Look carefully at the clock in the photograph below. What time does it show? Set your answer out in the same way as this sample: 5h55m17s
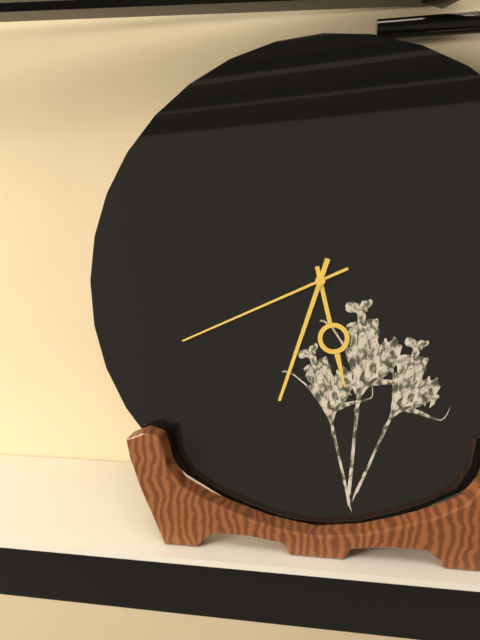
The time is 5h33m41s
